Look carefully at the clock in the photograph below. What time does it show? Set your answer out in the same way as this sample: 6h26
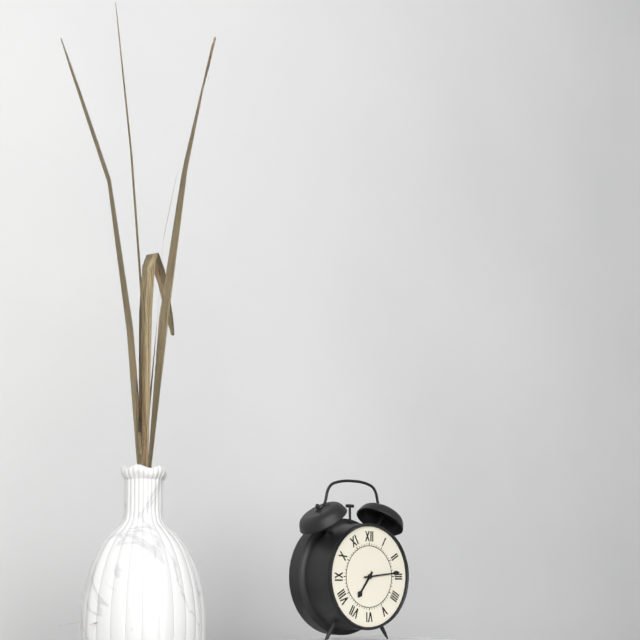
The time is 7h14
